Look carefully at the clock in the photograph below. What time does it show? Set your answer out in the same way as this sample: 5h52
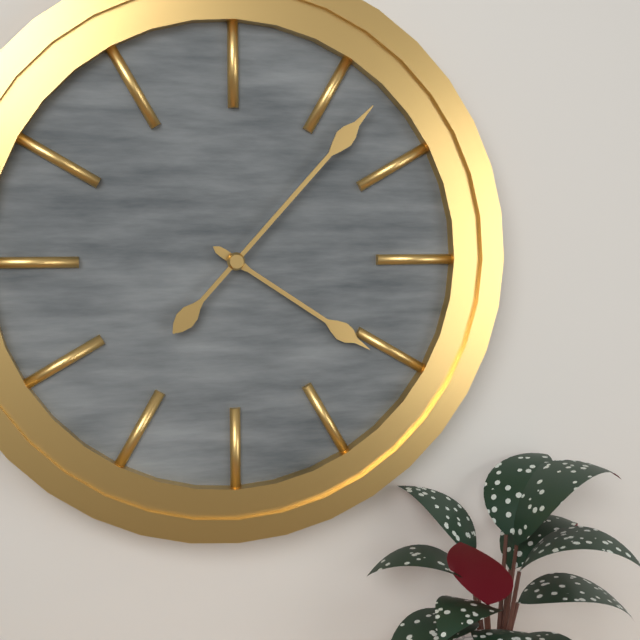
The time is 4h07
